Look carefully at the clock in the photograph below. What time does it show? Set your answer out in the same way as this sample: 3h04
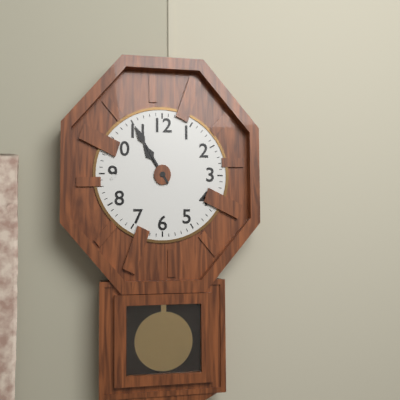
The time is 10h55
